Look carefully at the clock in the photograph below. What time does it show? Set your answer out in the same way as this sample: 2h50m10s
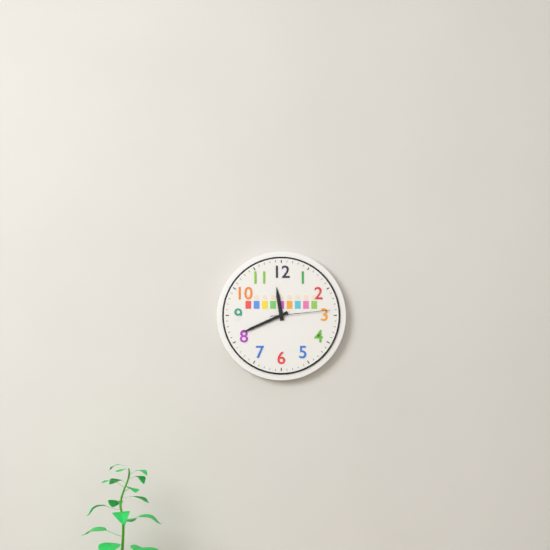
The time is 11h41m14s
